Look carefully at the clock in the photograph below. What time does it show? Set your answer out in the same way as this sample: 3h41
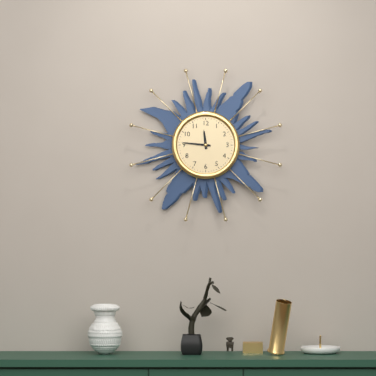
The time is 11h46
